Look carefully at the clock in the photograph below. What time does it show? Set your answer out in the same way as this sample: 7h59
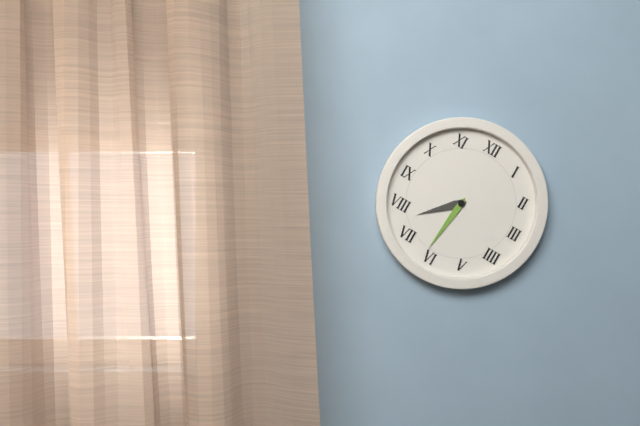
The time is 7h31
